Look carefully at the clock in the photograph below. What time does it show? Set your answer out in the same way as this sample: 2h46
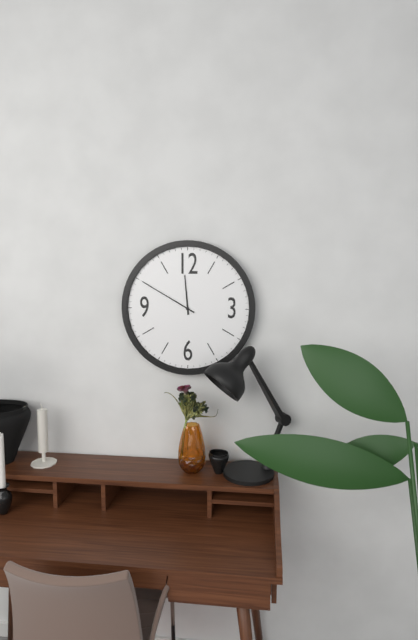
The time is 11h50
